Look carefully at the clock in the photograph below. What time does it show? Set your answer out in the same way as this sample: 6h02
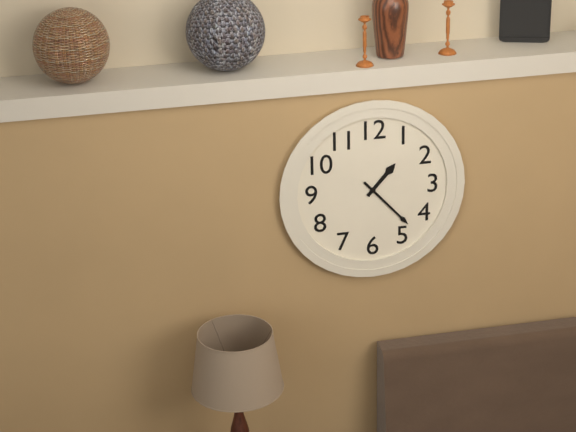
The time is 1h23
